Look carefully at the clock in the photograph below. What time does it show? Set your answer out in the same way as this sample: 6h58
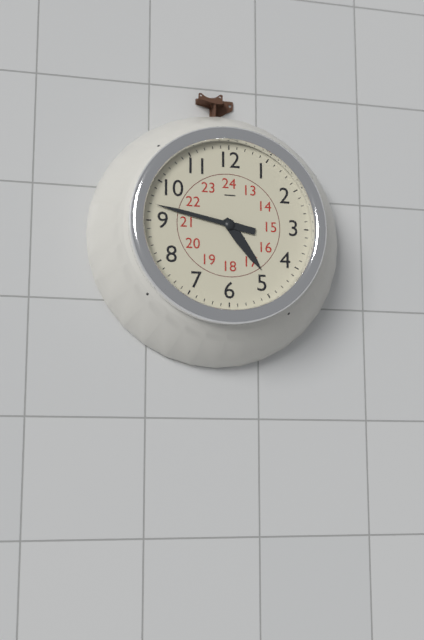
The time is 4h47
